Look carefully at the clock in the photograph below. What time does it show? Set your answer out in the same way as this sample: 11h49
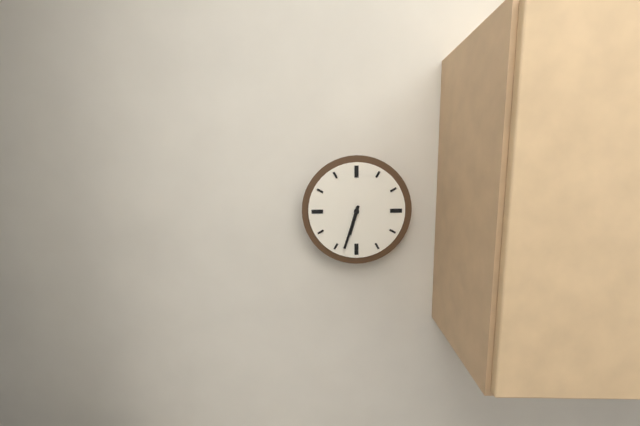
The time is 6h33
